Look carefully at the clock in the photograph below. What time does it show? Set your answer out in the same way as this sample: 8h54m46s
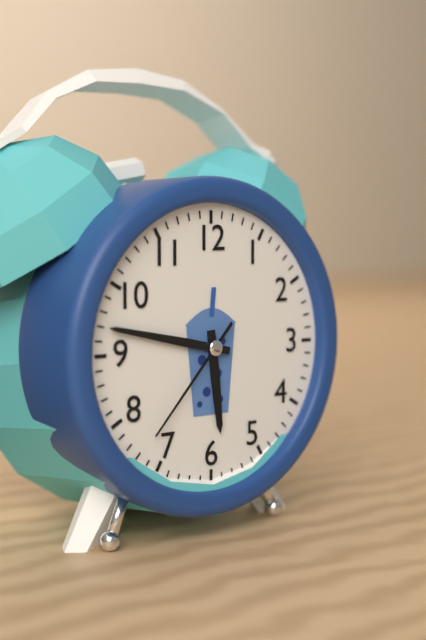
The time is 5h47m37s
